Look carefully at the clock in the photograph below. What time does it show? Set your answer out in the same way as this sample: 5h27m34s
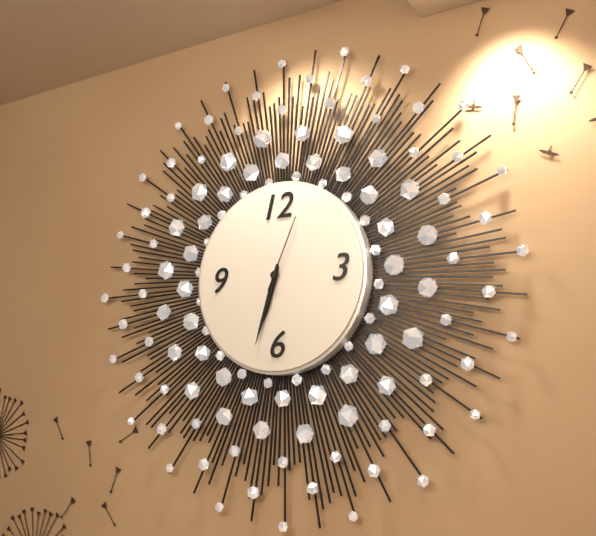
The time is 6h33m04s
